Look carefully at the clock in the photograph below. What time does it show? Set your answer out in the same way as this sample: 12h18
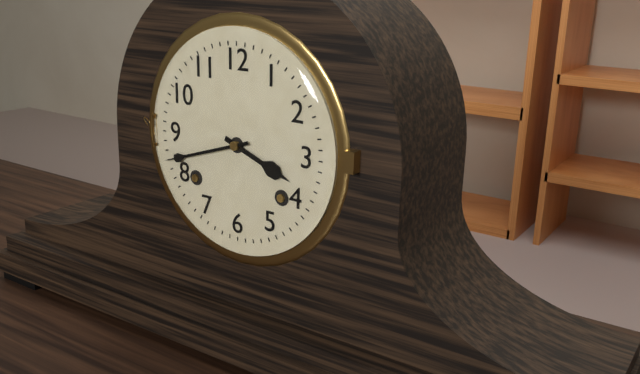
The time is 3h42
